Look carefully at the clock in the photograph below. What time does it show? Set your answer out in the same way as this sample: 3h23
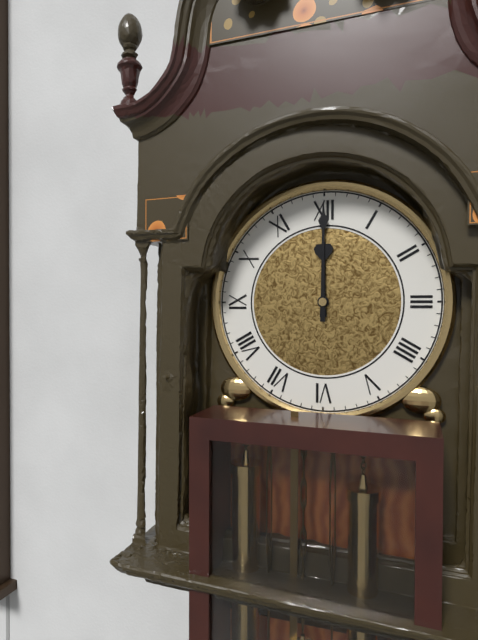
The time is 12h00
